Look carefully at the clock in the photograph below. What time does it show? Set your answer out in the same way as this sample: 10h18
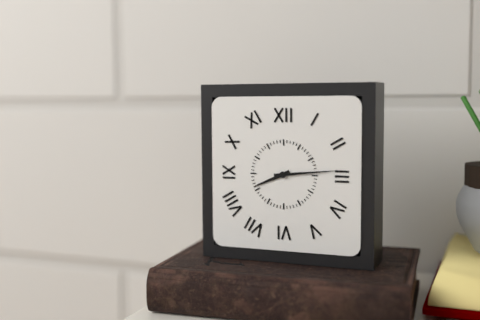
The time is 8h14
